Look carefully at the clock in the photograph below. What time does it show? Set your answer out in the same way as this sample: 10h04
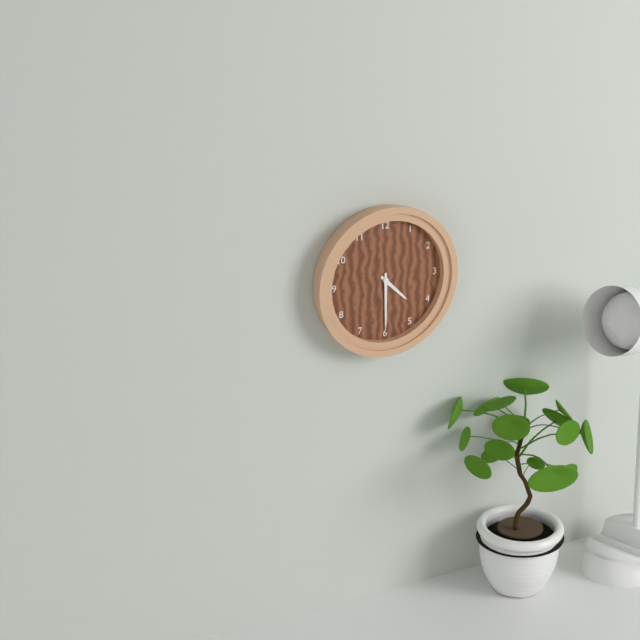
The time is 4h30
